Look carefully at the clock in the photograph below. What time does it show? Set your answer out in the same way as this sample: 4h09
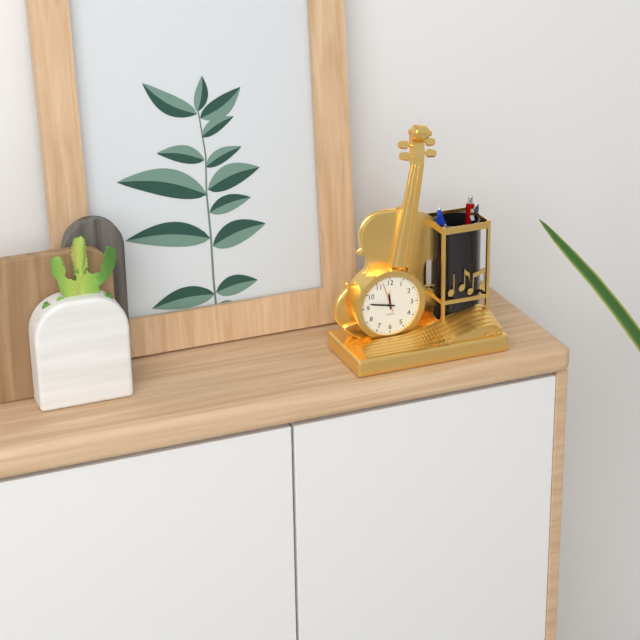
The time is 11h47
